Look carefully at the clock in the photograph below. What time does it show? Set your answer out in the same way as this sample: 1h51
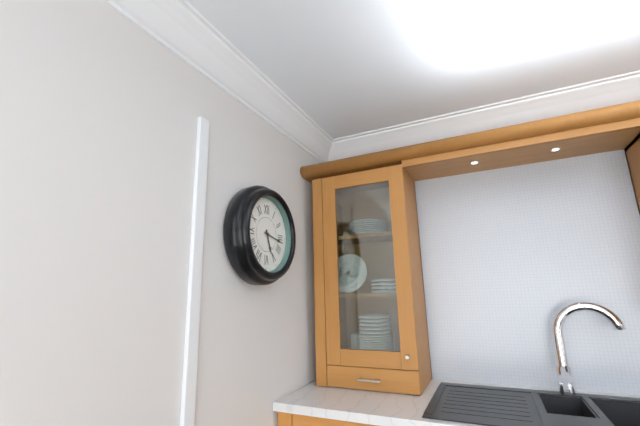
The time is 5h17
